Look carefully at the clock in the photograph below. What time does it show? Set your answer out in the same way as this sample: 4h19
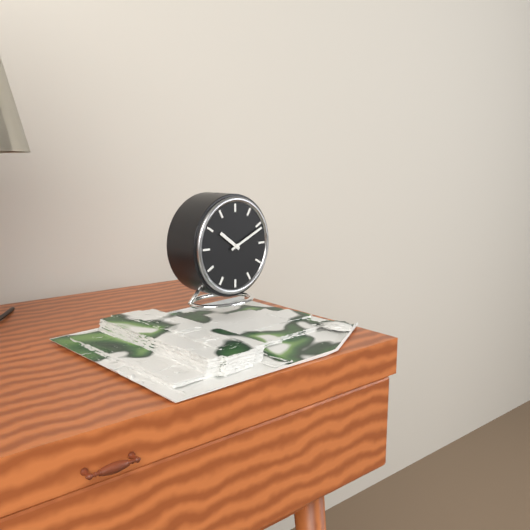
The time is 10h11
